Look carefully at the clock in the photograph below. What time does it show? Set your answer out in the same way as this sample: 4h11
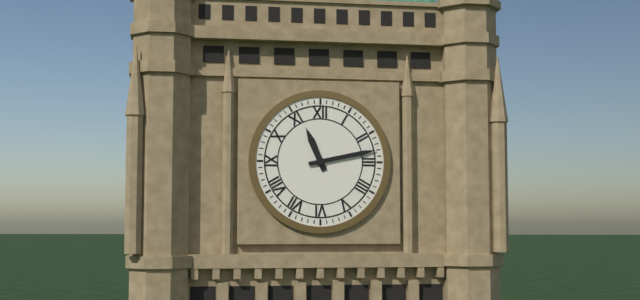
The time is 11h13
